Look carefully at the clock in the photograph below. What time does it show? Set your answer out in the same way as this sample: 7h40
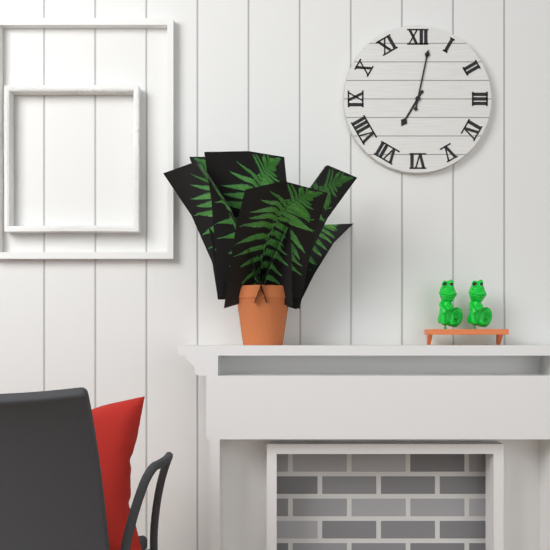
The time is 7h02
